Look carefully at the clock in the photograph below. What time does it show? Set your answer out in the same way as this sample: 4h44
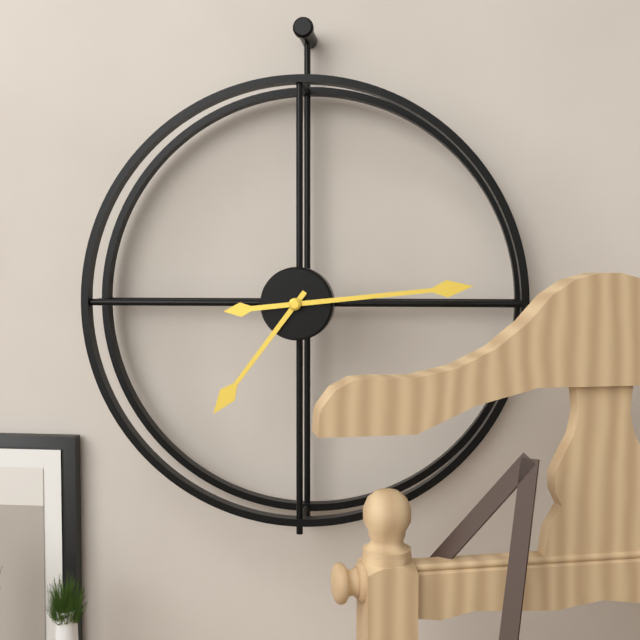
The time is 7h14
